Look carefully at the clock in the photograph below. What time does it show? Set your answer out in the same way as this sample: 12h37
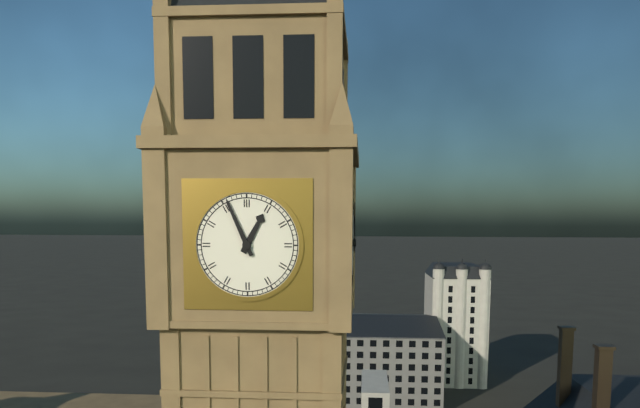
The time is 12h56
